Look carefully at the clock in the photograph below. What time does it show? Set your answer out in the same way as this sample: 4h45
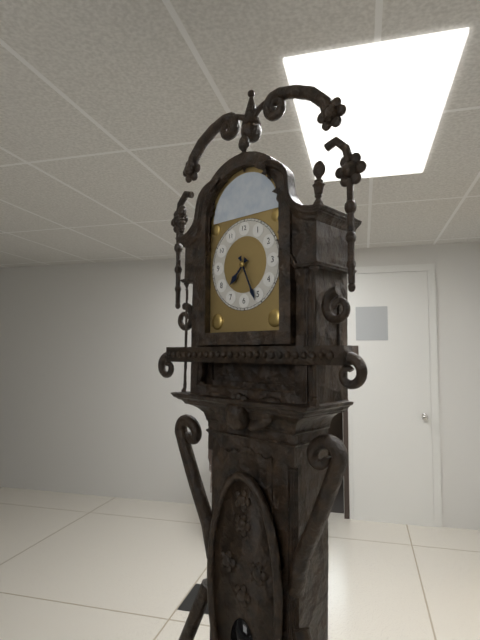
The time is 7h26
